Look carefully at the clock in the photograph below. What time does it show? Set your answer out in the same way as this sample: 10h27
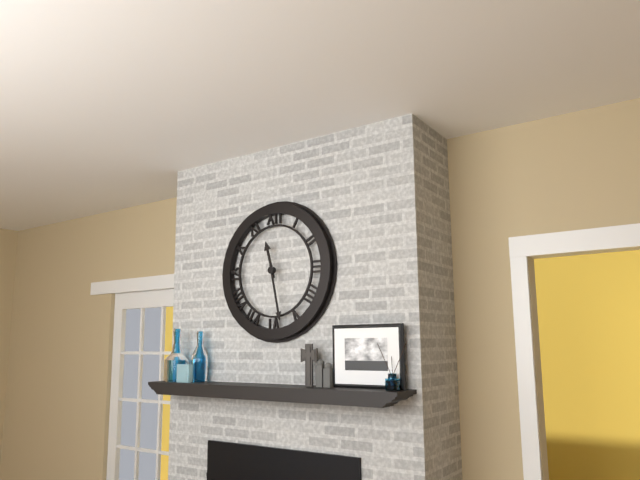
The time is 11h28
